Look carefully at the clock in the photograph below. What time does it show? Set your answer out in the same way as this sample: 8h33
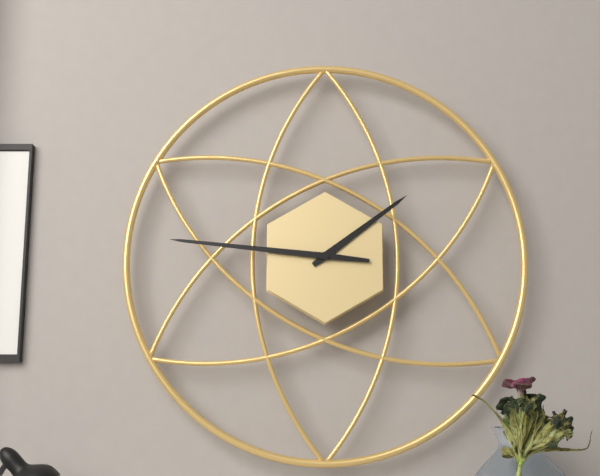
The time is 1h46
